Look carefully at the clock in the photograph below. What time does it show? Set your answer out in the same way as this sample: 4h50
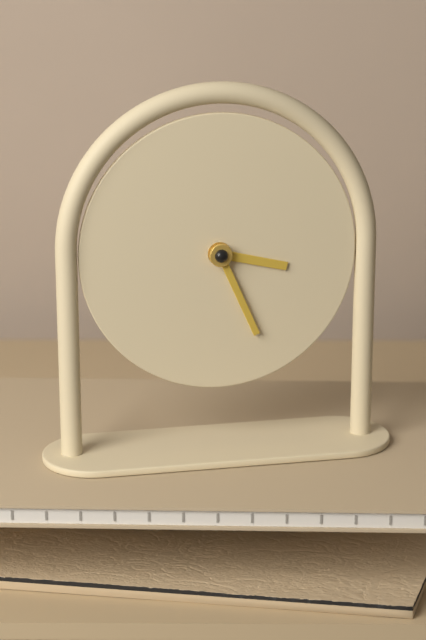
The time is 3h26
